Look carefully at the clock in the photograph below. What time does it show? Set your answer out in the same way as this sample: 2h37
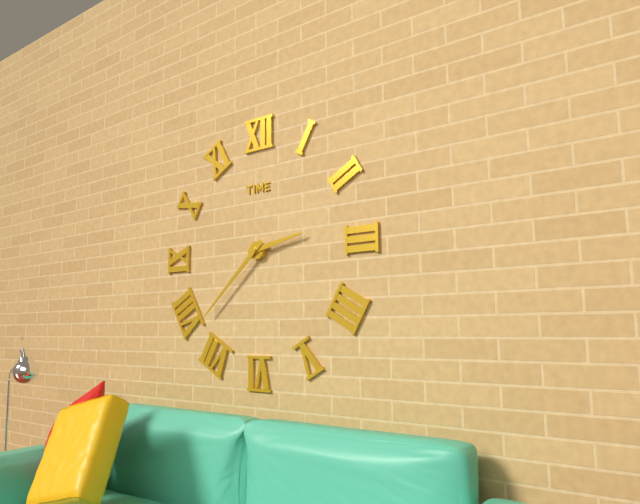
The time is 2h38
